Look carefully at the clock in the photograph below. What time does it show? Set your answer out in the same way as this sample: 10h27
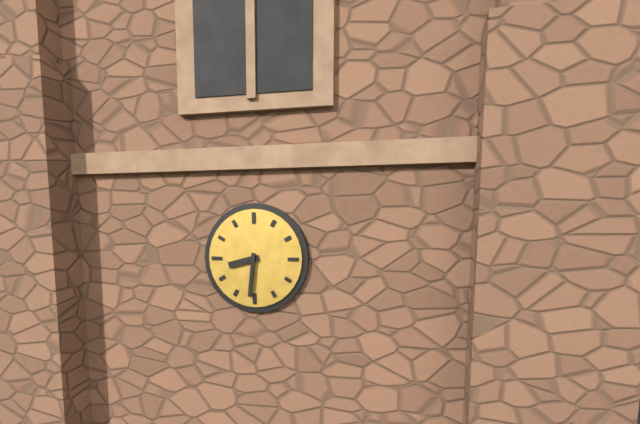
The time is 8h31
